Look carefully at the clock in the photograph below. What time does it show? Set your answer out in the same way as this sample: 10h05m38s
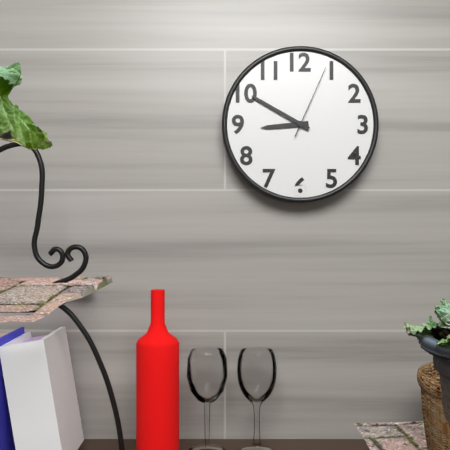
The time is 8h50m04s
